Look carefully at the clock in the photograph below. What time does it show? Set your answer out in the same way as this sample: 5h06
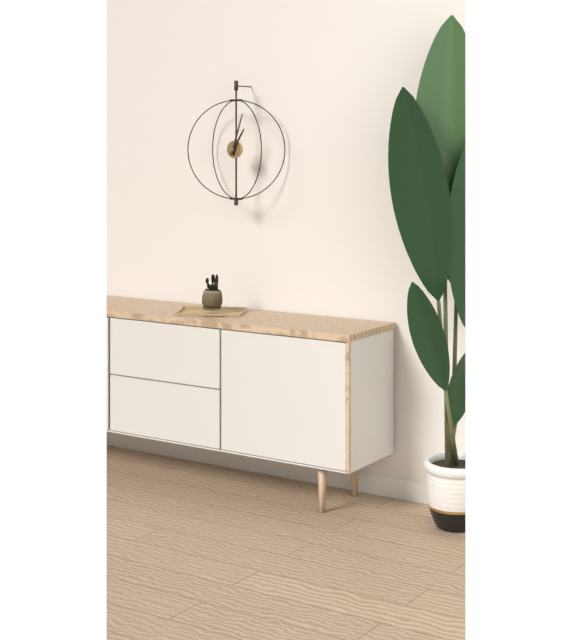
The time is 1h03
